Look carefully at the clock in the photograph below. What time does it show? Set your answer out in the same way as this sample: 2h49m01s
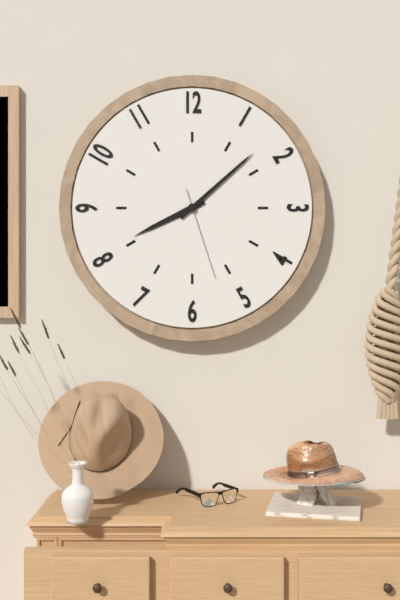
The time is 8h08m27s
